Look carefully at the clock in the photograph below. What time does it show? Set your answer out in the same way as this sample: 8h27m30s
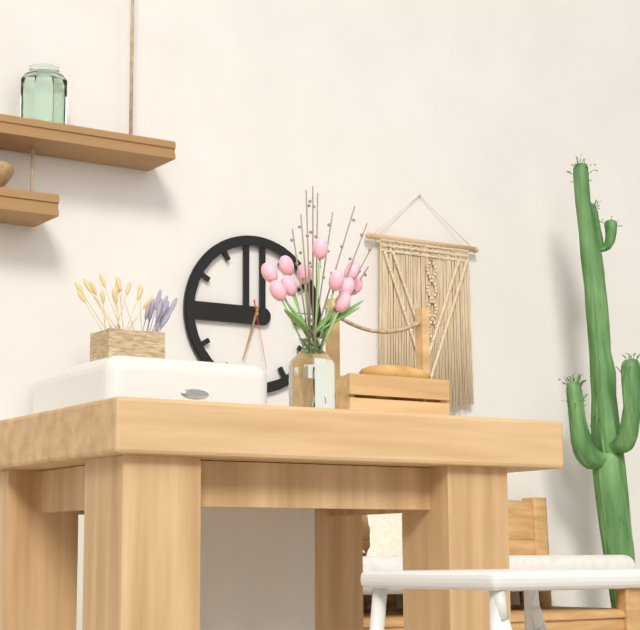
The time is 6h33m28s
